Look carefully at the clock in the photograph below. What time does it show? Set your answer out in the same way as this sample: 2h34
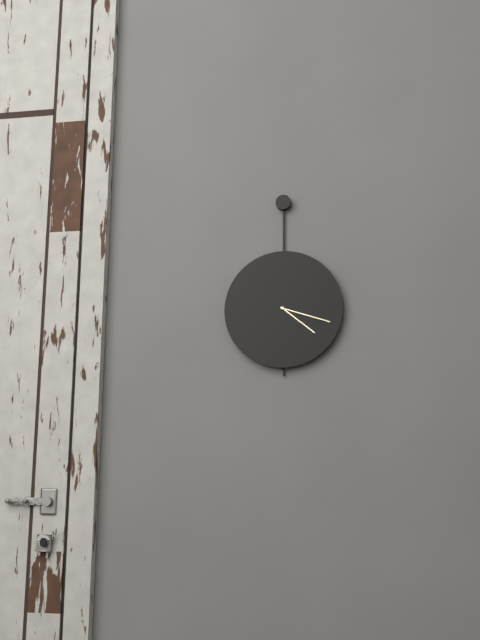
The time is 4h18
